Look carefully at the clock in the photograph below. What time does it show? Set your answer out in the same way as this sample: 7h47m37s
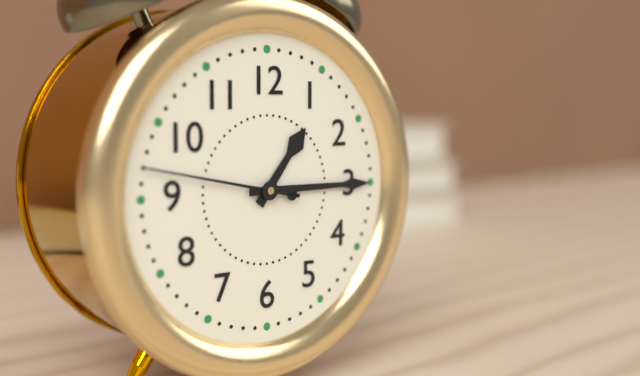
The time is 1h15m47s
